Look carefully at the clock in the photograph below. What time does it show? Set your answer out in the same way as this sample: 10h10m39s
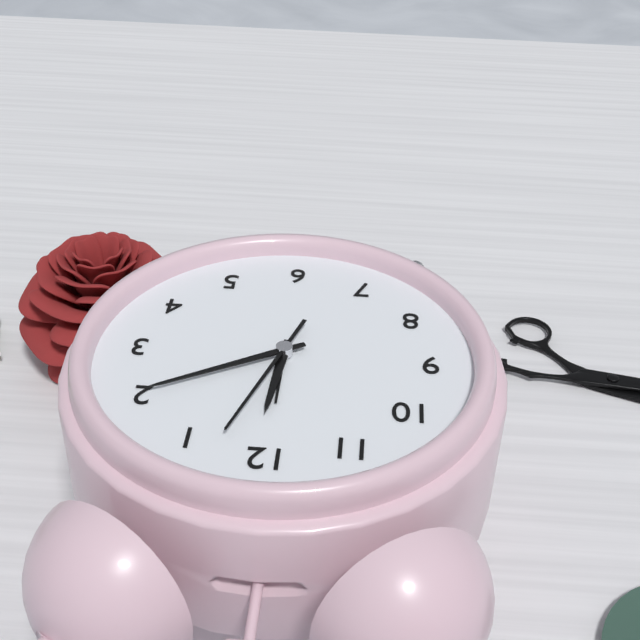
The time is 12h10m03s
